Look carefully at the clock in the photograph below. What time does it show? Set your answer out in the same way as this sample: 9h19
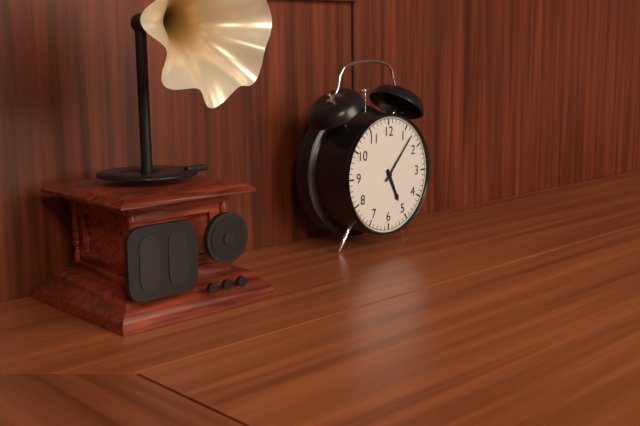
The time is 5h07
